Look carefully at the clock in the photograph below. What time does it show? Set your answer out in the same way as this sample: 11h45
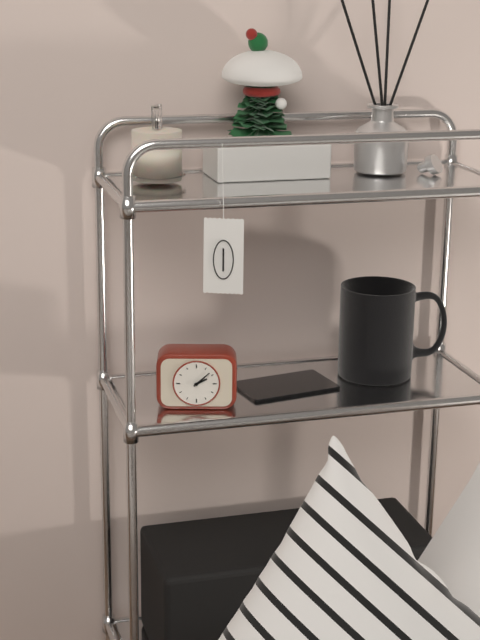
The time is 2h08
